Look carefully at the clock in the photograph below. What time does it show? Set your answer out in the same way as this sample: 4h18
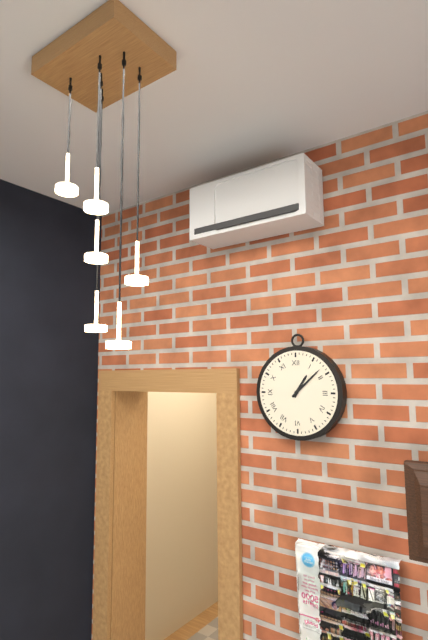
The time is 1h08
